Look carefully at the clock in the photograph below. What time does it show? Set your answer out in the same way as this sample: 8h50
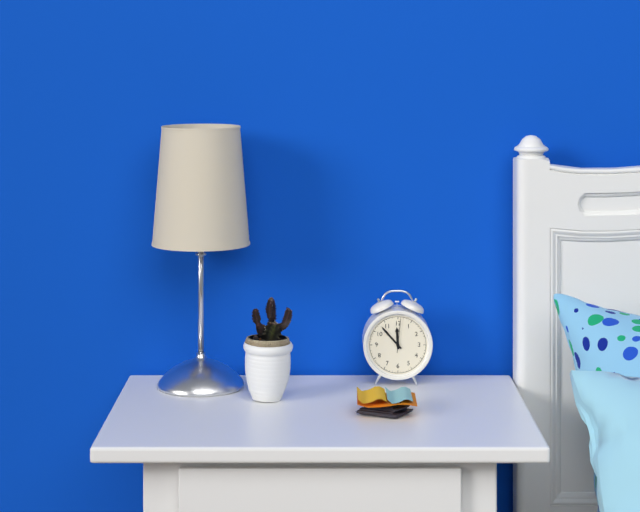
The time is 11h53
